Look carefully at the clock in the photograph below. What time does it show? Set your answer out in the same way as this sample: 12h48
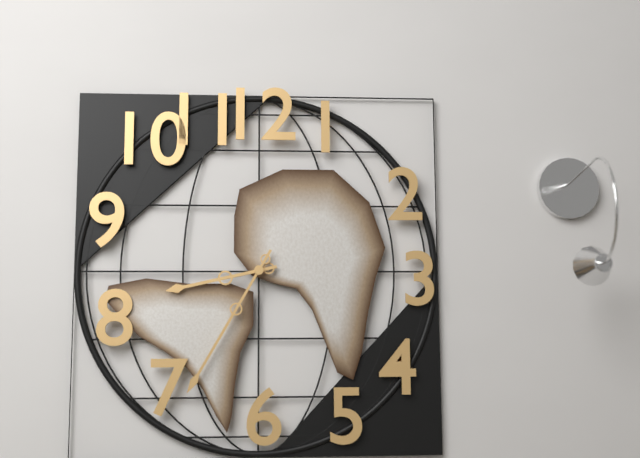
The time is 8h35
